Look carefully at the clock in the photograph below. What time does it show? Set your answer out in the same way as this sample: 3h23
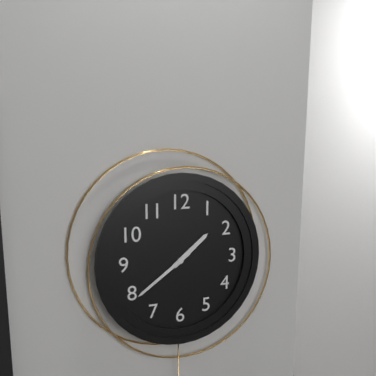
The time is 1h39
